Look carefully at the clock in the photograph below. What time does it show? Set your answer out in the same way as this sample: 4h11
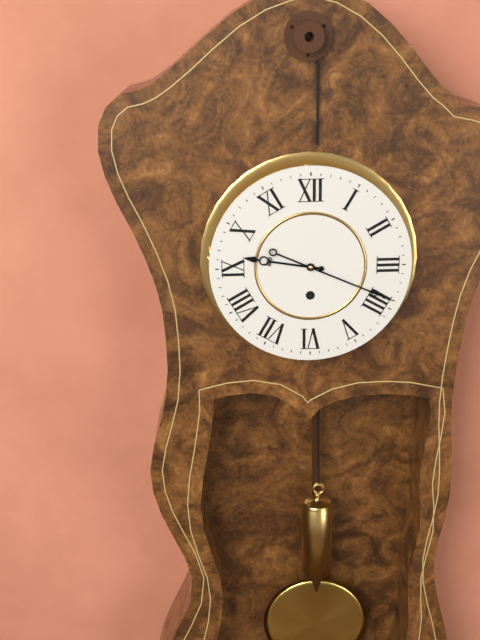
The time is 9h19
